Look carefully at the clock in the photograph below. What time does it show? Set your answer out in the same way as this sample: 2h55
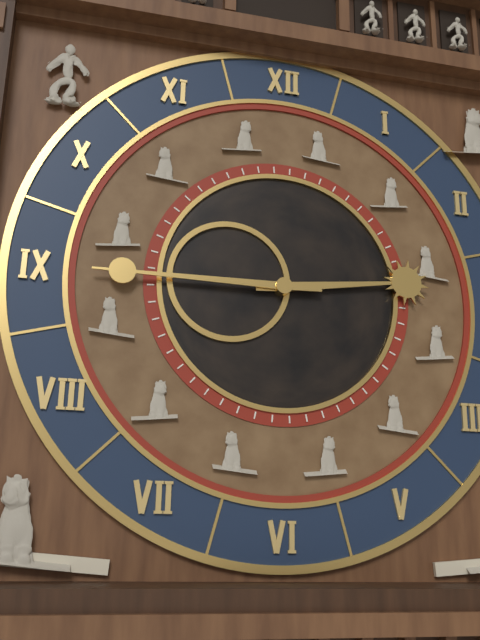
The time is 2h45
